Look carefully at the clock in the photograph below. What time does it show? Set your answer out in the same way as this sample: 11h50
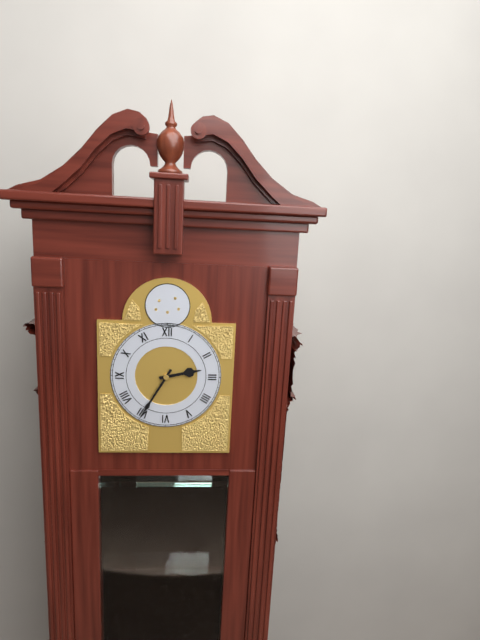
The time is 2h35
